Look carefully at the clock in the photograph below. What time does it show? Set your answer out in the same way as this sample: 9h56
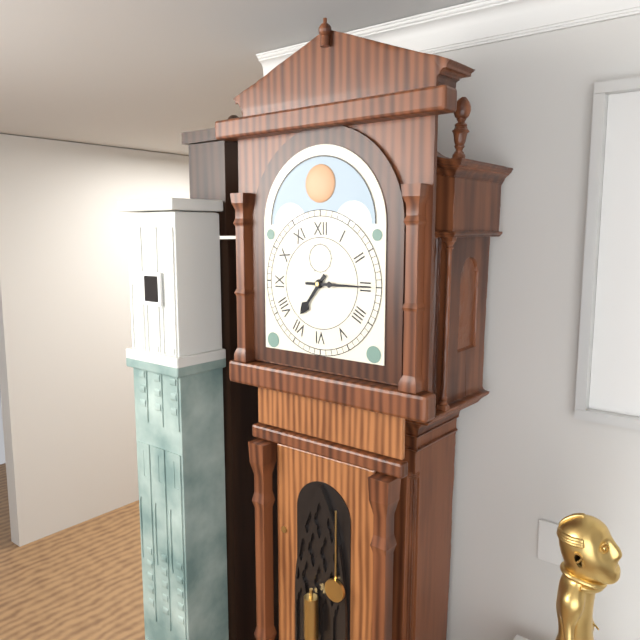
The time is 7h15
